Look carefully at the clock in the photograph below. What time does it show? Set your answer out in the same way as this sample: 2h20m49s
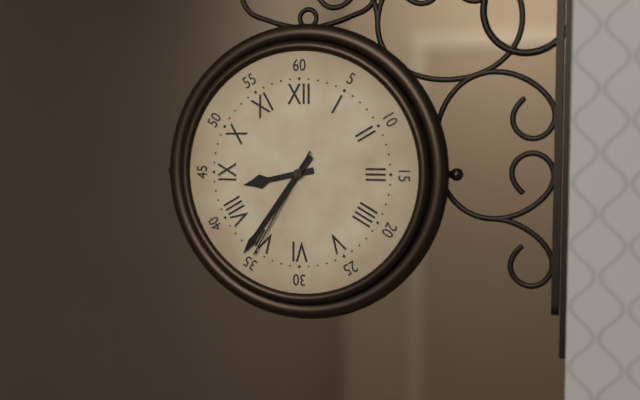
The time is 8h36m35s
